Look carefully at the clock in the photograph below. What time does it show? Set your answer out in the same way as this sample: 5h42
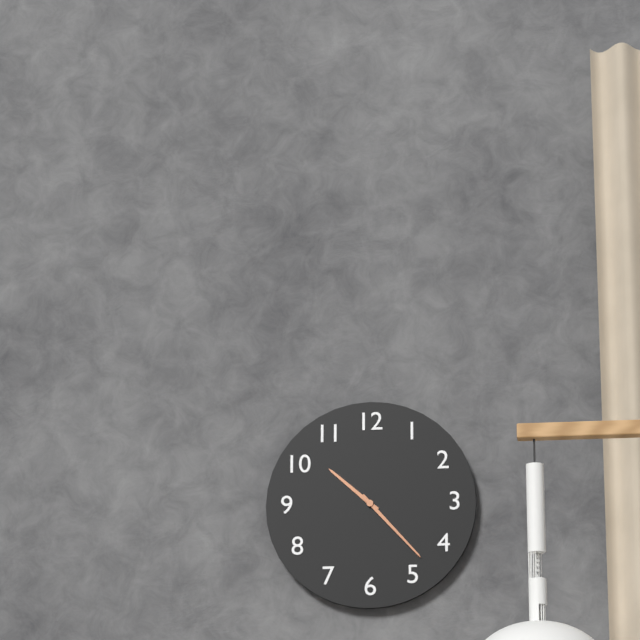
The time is 10h23
